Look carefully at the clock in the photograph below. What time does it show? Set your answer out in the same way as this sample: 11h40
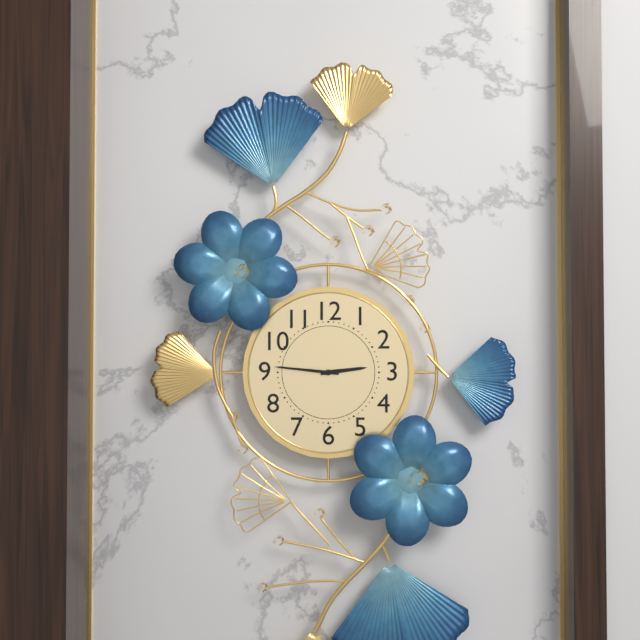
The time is 2h46
